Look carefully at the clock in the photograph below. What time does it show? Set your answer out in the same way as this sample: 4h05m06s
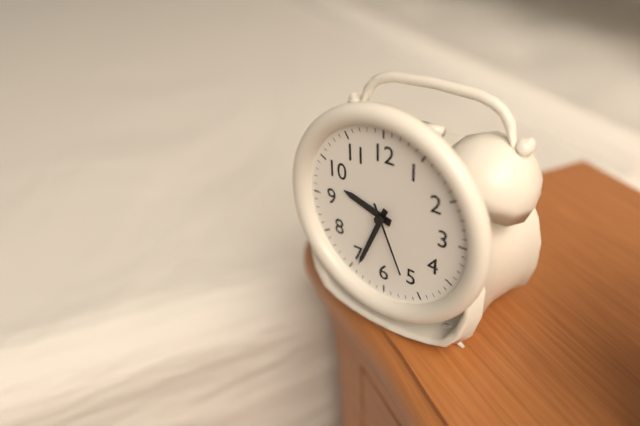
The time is 9h34m26s
